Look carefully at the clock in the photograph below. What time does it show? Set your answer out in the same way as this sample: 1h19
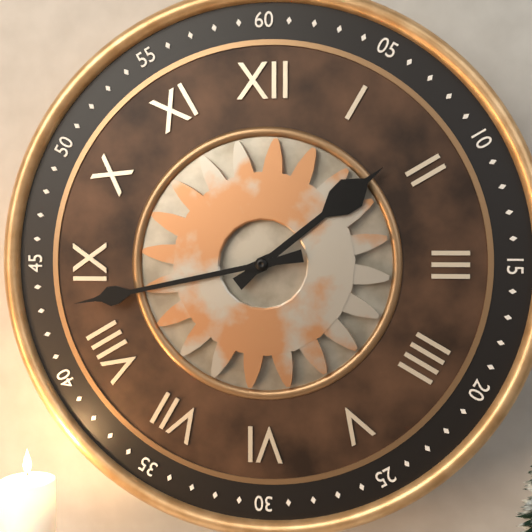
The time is 1h43
